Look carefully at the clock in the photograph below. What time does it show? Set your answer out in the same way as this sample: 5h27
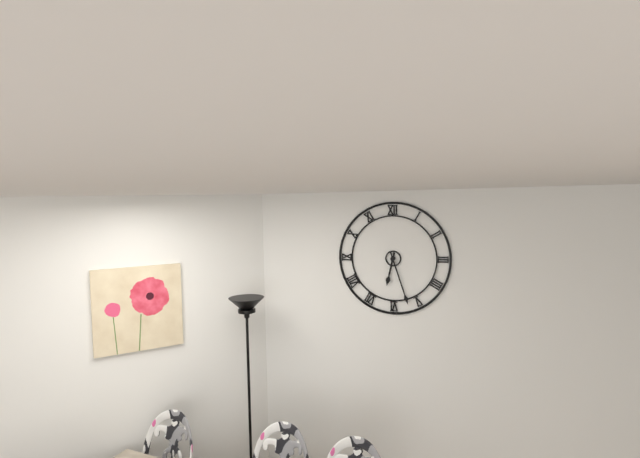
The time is 6h27
